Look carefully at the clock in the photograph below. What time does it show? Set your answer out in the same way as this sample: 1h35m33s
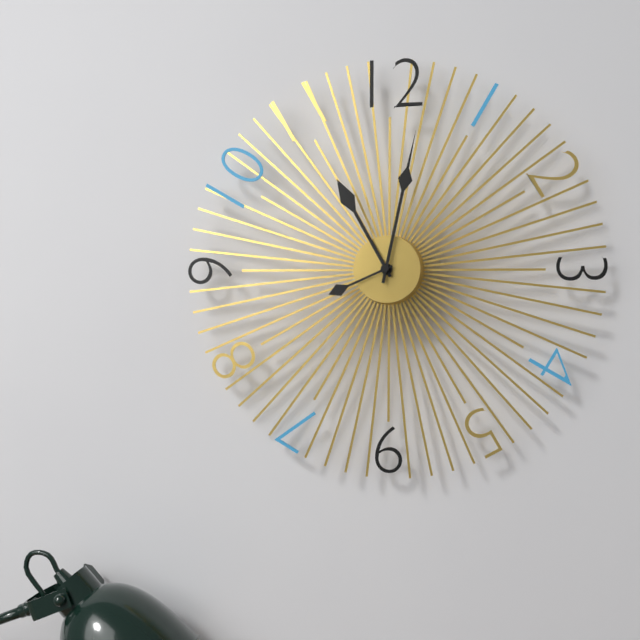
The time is 11h02m41s
